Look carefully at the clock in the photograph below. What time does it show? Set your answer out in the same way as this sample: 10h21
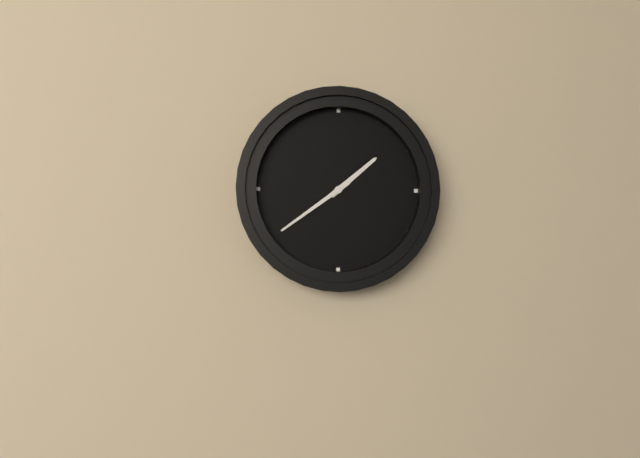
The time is 1h39
